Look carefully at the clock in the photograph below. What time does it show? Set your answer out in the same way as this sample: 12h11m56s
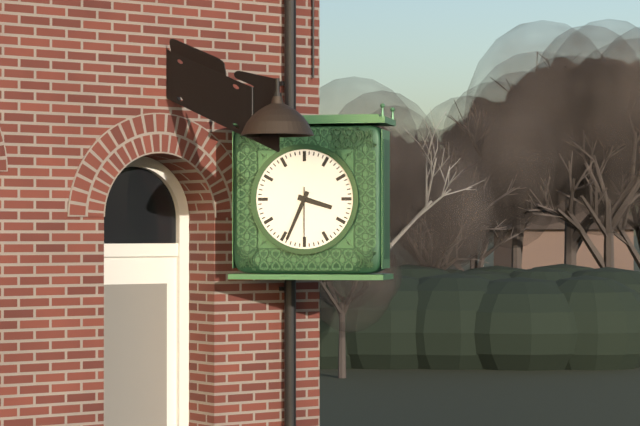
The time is 3h34m30s
